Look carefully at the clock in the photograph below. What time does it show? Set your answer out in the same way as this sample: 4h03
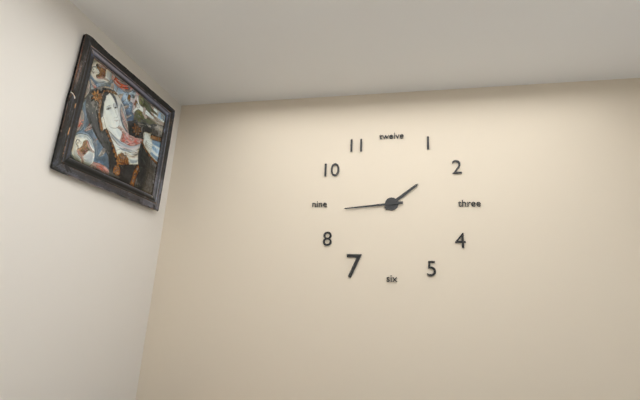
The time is 1h44
